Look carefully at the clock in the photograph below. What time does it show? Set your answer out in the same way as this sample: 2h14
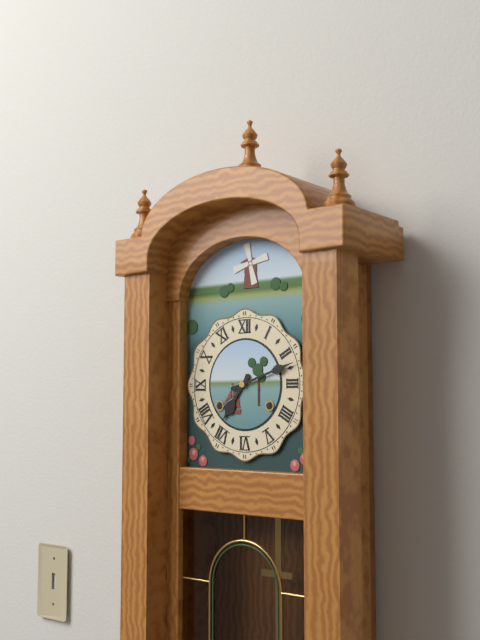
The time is 7h12
